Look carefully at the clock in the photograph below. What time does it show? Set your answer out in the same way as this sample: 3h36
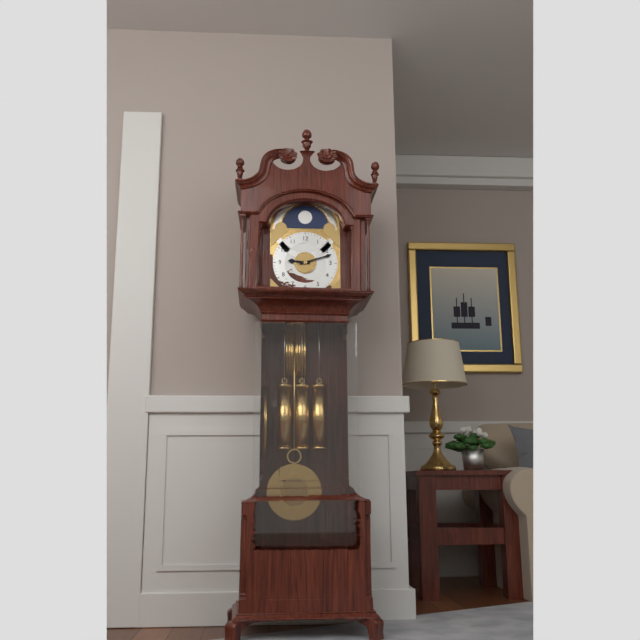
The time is 9h12
